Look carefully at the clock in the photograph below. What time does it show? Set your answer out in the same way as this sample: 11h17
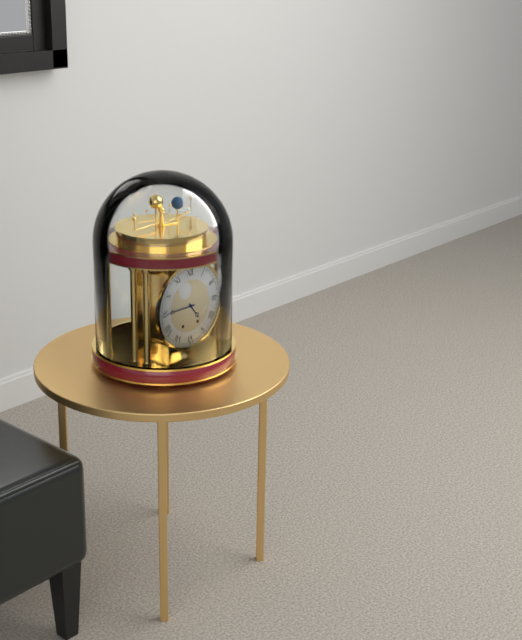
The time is 4h45
